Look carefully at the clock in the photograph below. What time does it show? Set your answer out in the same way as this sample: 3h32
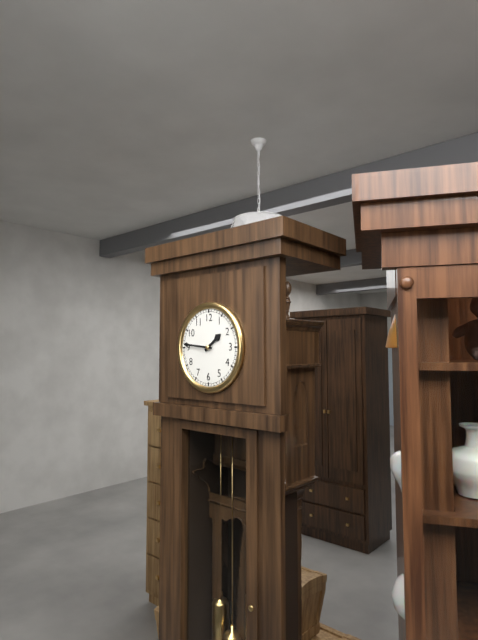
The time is 1h46
